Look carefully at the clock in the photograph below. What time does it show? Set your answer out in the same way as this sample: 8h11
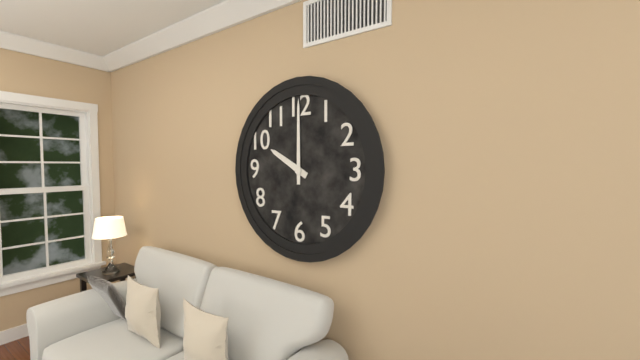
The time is 10h00
